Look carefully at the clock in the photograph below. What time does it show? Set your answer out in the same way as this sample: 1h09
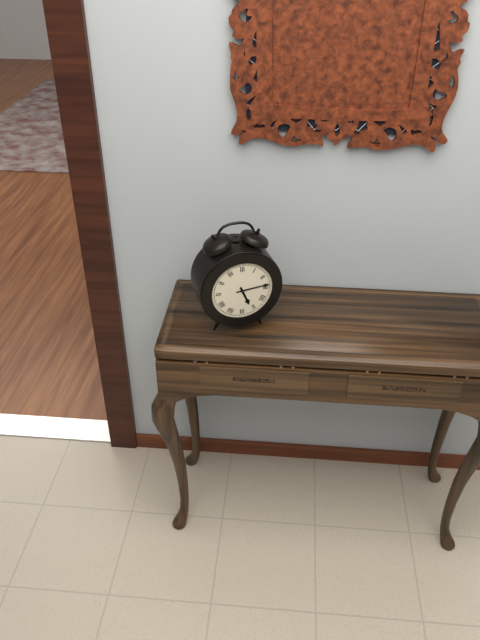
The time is 5h14
